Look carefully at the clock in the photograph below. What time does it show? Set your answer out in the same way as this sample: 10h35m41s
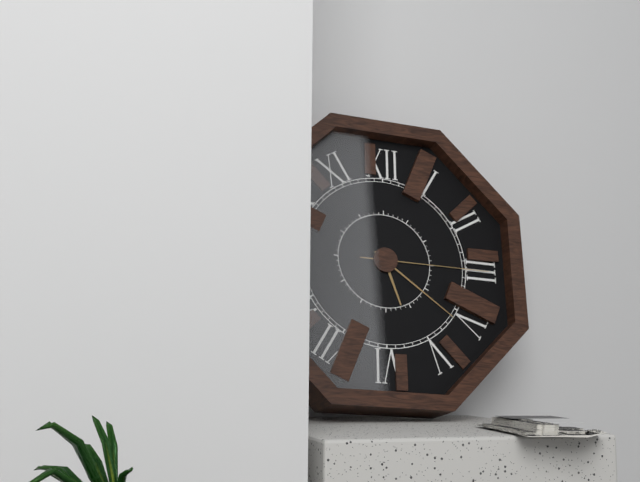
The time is 5h21m15s
